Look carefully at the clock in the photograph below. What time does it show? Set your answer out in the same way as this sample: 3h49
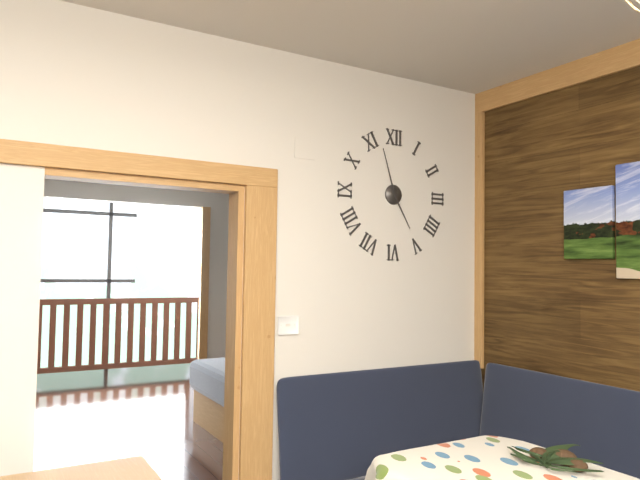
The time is 4h57
